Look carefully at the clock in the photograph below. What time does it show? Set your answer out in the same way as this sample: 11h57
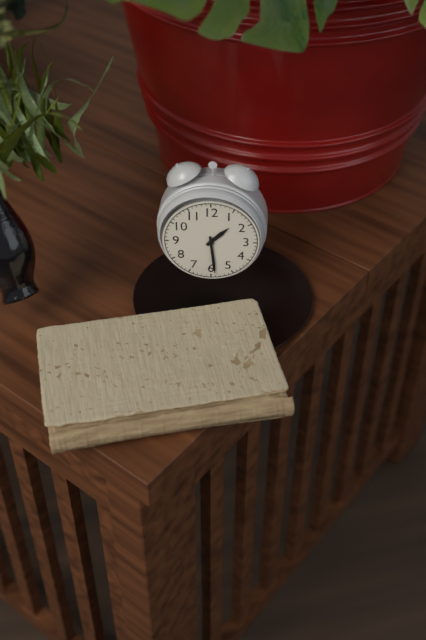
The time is 1h29
